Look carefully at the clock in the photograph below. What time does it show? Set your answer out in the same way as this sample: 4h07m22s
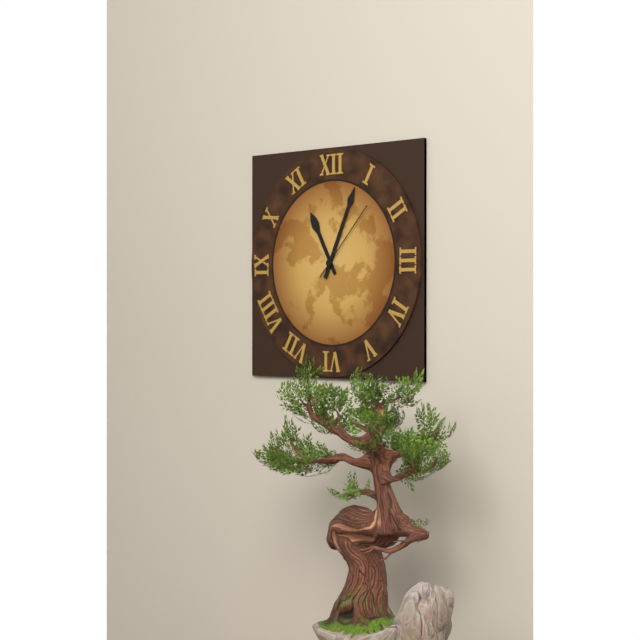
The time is 11h04m07s
